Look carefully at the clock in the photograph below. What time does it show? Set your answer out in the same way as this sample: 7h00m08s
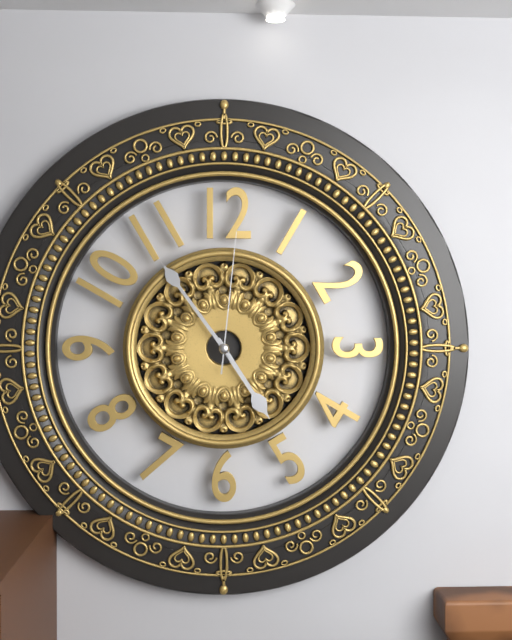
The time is 4h54m01s
